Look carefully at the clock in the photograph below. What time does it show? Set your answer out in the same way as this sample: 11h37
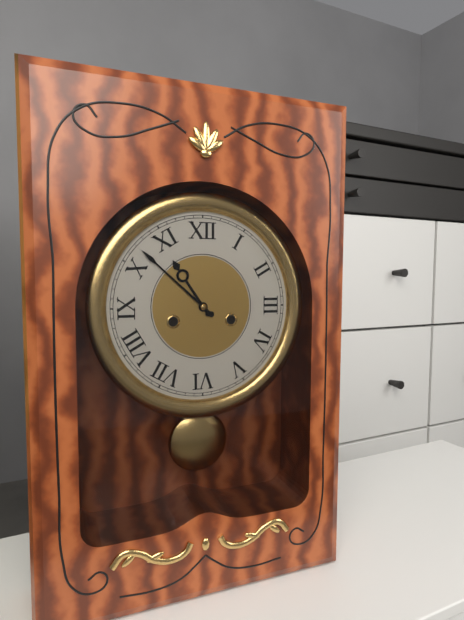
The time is 10h52
